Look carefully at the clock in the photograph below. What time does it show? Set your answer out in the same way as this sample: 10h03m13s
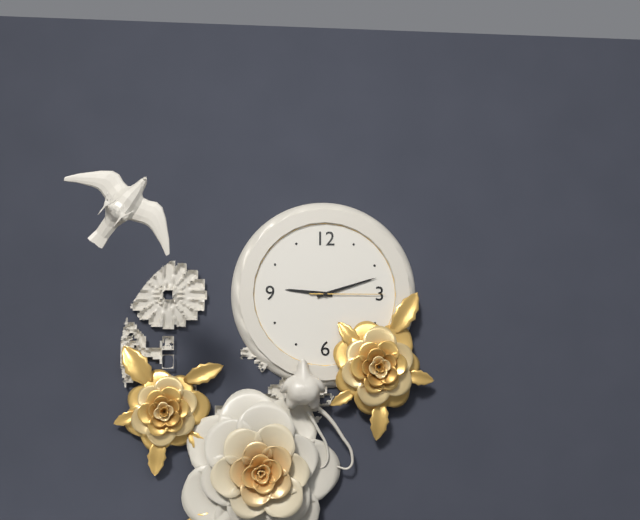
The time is 9h12m15s
